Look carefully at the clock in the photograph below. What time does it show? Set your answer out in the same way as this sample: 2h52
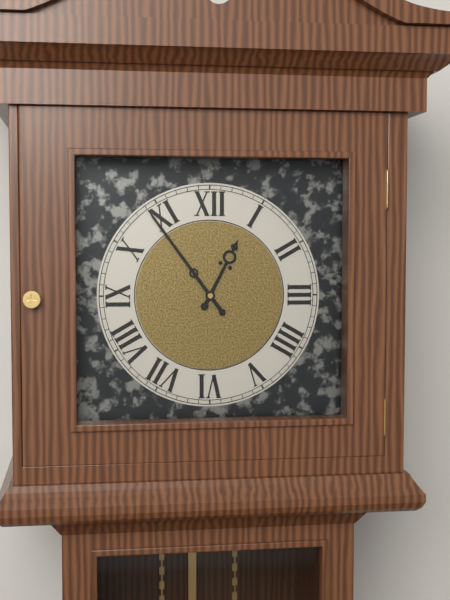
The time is 12h54
